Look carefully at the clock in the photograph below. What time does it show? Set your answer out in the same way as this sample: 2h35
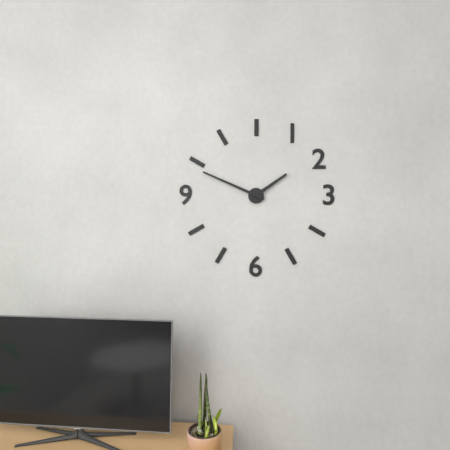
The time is 1h49
